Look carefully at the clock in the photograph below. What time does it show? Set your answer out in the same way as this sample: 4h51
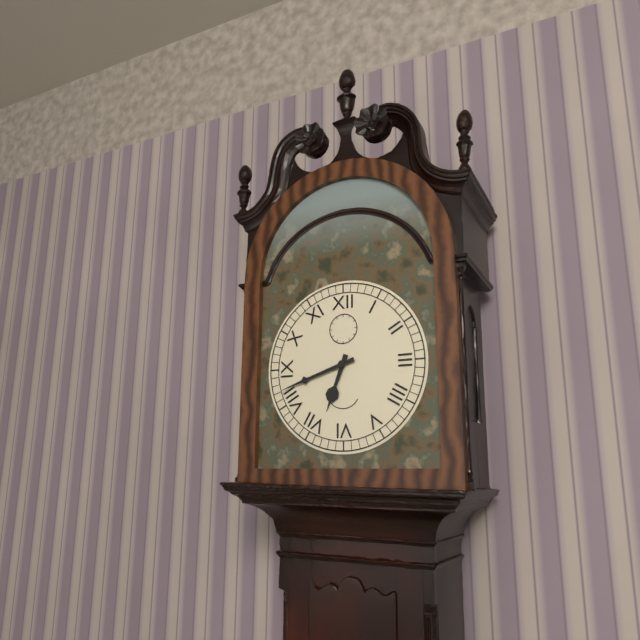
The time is 6h42
